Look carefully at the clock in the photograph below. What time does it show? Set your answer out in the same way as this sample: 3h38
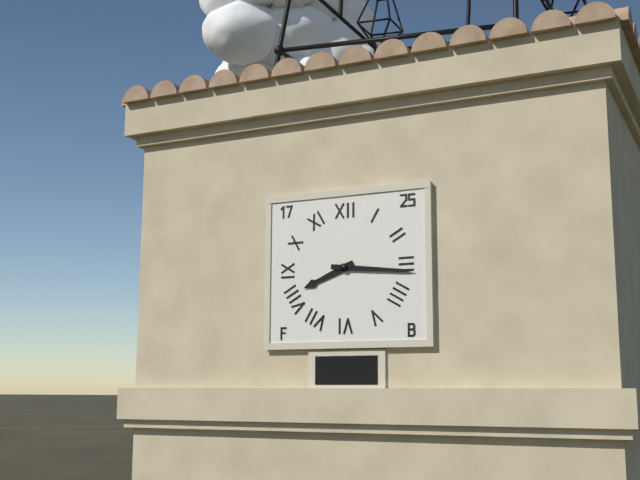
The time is 8h16
